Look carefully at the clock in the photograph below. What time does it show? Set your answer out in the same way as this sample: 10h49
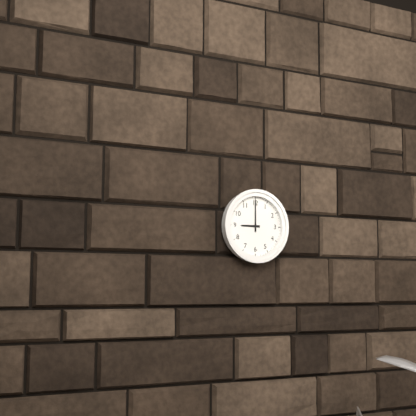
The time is 9h00
